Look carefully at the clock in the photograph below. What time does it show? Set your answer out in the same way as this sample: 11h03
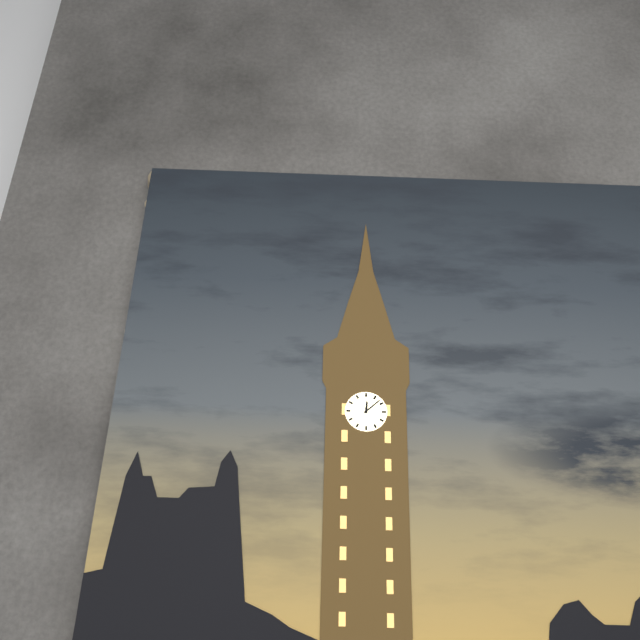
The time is 12h08
